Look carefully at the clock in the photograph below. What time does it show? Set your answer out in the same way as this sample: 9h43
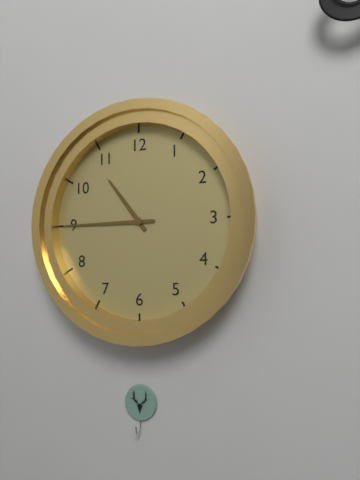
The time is 10h45
